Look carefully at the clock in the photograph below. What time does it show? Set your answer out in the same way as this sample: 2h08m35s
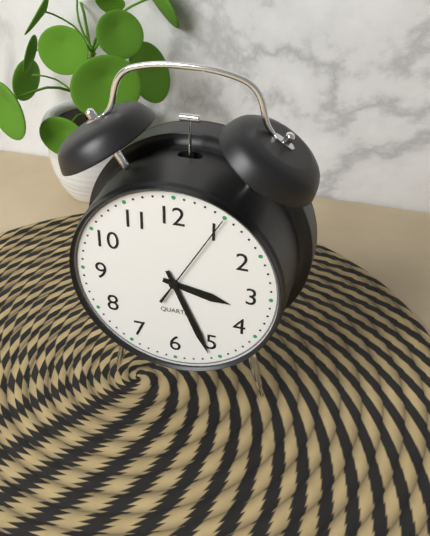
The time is 3h26m05s
